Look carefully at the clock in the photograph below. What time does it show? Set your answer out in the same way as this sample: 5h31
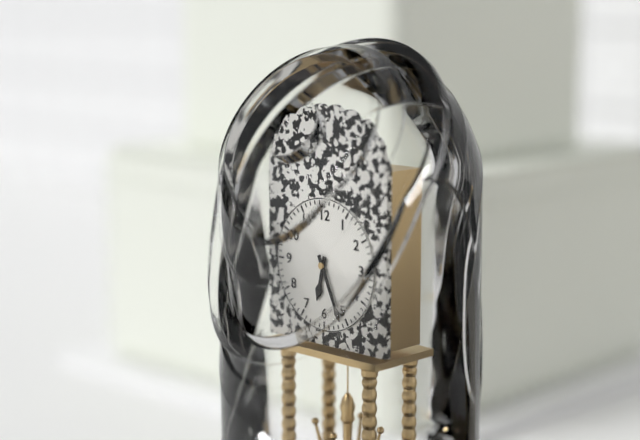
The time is 6h26
